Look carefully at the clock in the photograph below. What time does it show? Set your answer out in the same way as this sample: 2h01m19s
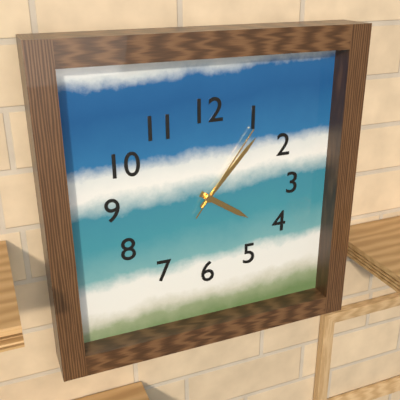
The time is 4h07m06s
